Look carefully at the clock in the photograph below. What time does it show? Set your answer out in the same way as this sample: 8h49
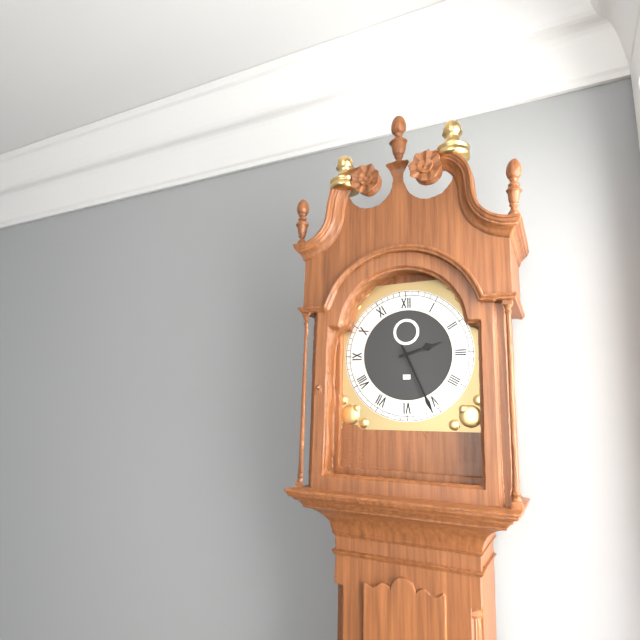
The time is 2h26
